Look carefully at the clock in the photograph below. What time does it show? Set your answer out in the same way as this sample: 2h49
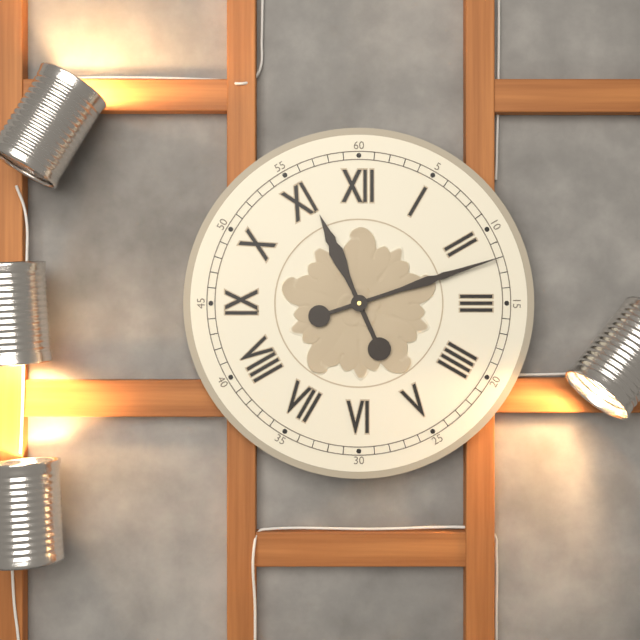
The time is 11h12
